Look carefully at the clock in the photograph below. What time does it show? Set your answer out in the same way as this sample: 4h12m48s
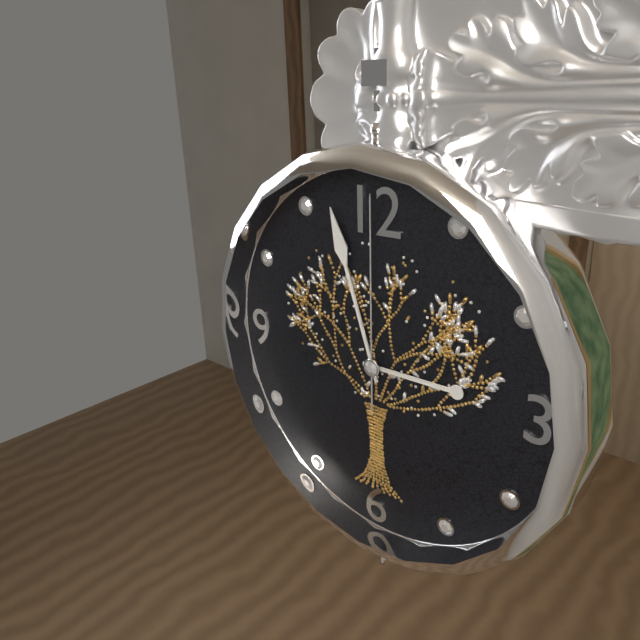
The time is 2h57m00s
